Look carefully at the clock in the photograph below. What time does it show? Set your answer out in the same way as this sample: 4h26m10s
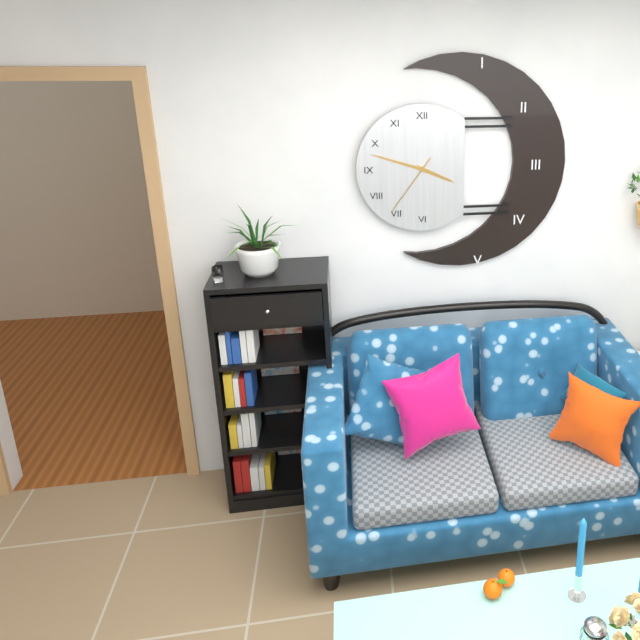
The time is 3h48m36s
